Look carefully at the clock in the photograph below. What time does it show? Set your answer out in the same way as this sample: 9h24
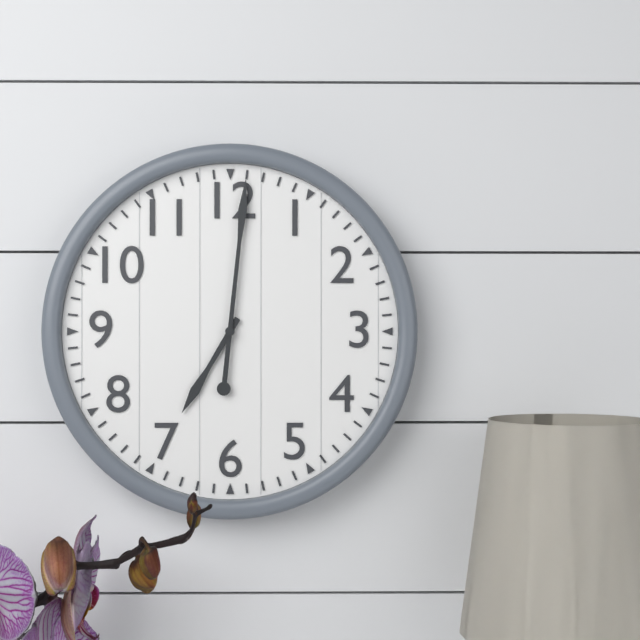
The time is 7h01
